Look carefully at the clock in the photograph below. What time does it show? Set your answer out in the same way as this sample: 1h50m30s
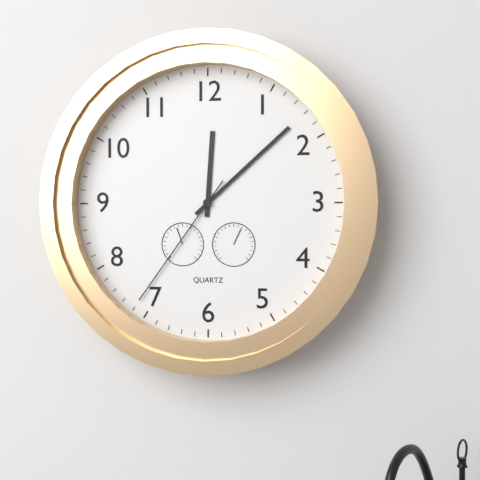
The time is 12h08m36s
